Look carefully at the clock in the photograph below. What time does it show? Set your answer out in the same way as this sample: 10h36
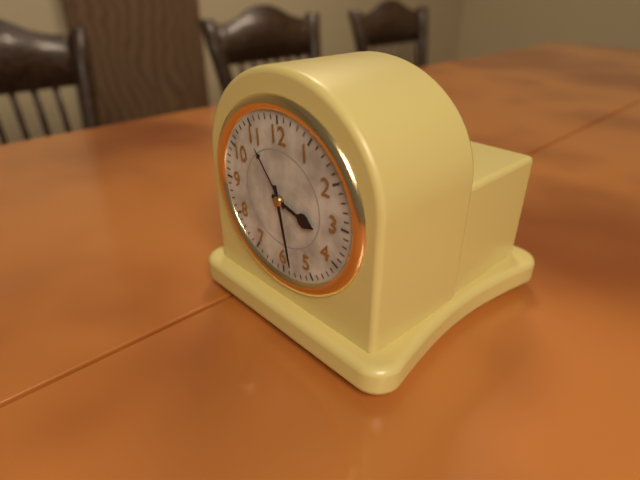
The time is 3h28
